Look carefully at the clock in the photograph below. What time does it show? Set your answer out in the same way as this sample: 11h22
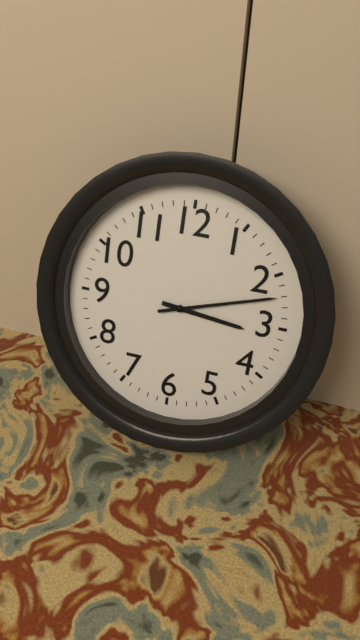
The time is 3h12
